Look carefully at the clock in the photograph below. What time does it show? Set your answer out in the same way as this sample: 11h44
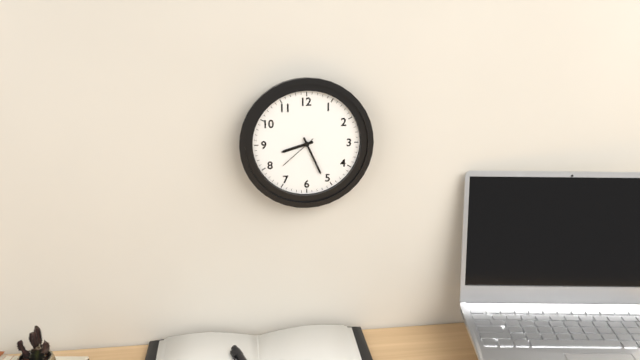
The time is 8h26
